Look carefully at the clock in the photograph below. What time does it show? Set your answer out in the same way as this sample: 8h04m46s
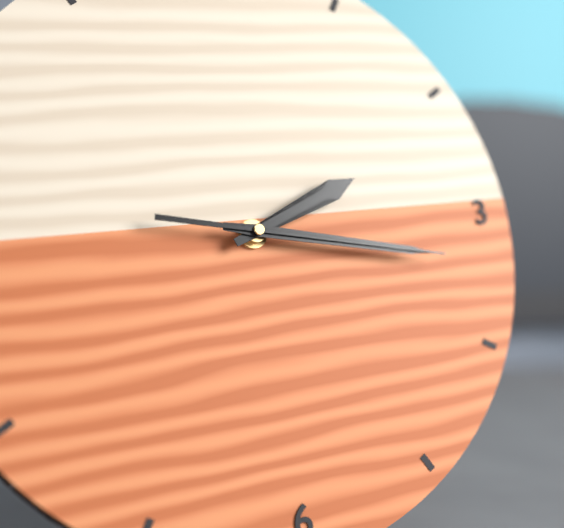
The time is 2h17m17s
